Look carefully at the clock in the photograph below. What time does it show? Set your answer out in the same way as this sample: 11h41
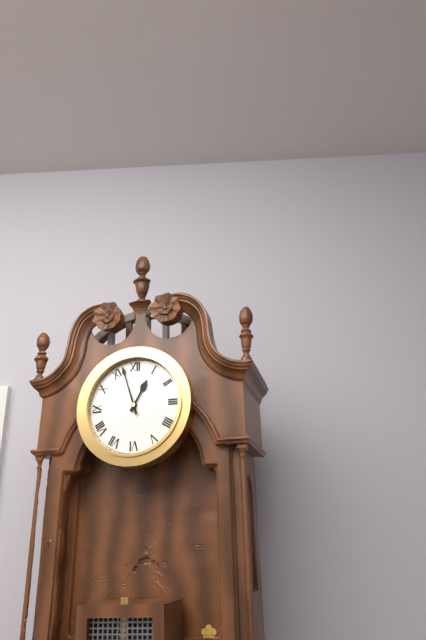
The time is 12h57
